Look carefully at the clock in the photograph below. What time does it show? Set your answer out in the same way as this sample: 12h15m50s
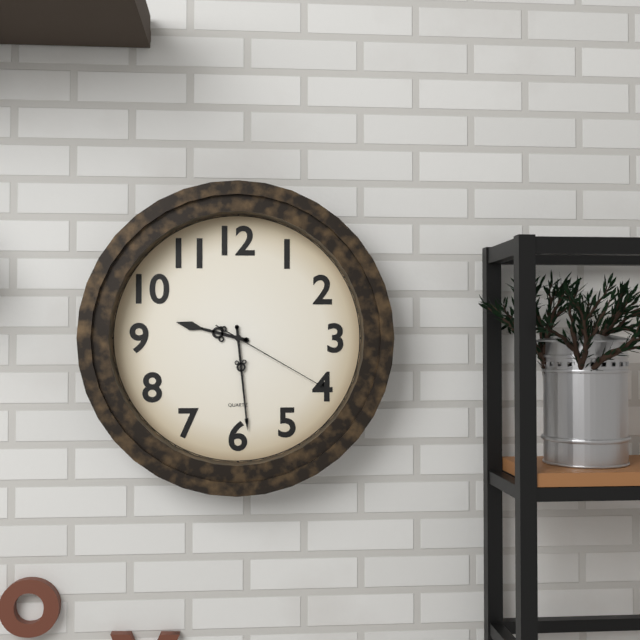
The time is 9h29m20s
